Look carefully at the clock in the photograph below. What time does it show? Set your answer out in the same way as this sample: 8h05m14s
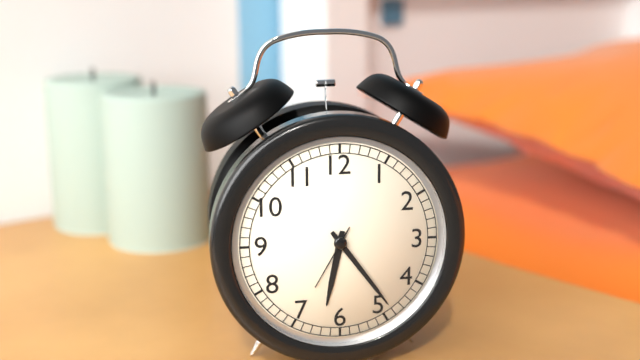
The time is 6h24m35s
